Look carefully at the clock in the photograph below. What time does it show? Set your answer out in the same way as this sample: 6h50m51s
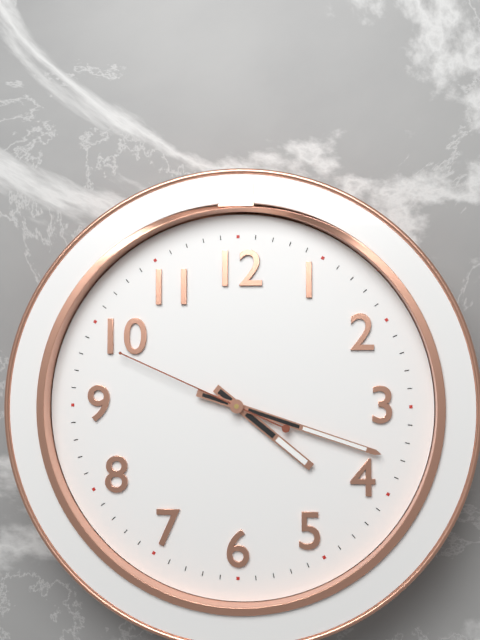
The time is 4h18m49s
